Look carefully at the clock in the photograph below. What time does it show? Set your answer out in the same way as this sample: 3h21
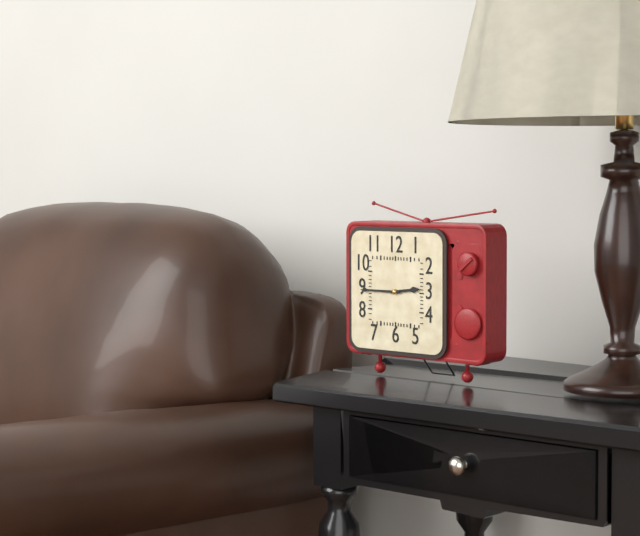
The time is 2h45
